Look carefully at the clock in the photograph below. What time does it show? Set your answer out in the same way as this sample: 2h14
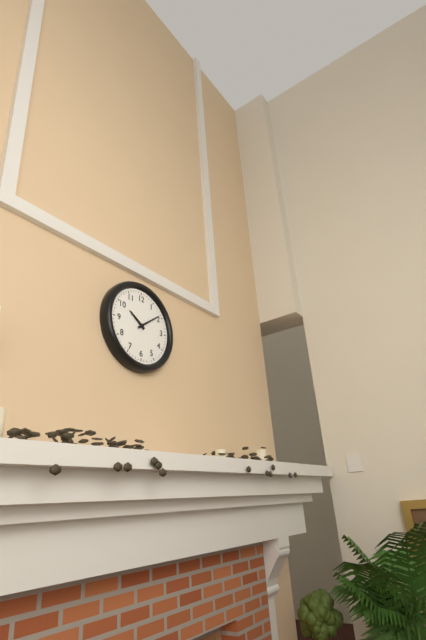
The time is 10h09
